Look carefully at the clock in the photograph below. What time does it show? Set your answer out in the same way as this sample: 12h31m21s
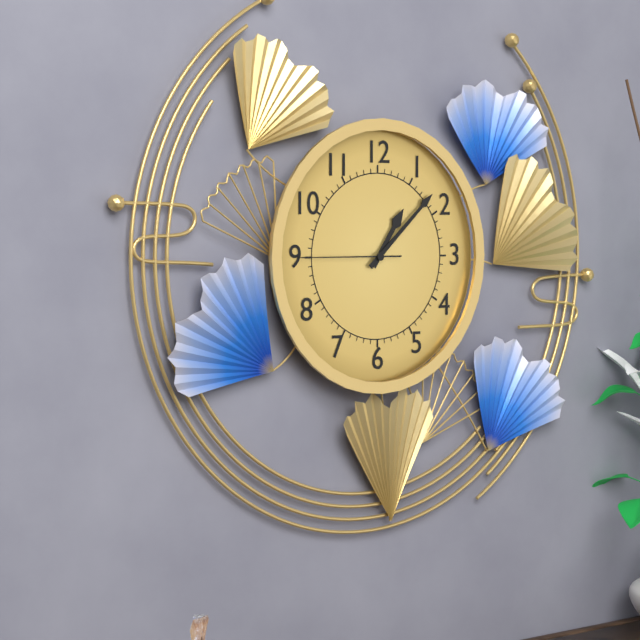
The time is 1h08m45s
